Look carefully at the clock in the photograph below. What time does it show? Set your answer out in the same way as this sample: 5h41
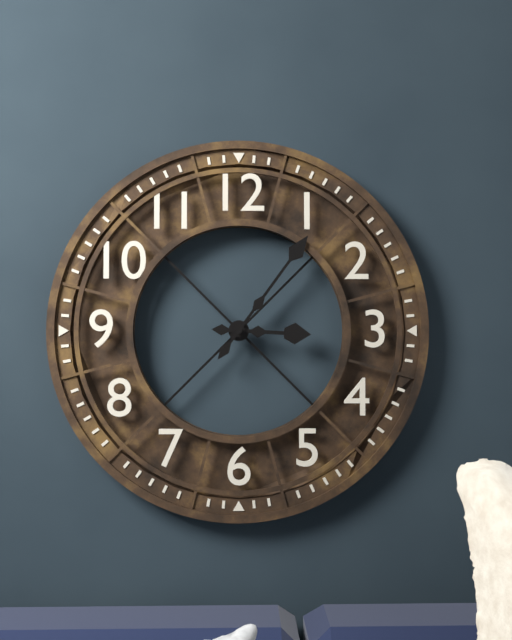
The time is 3h06
